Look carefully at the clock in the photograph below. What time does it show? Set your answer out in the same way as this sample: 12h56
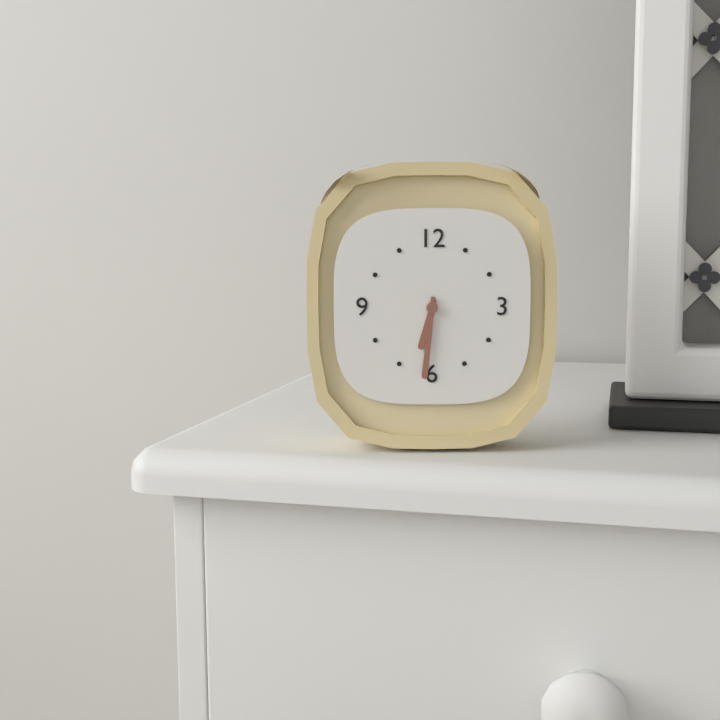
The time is 6h31
